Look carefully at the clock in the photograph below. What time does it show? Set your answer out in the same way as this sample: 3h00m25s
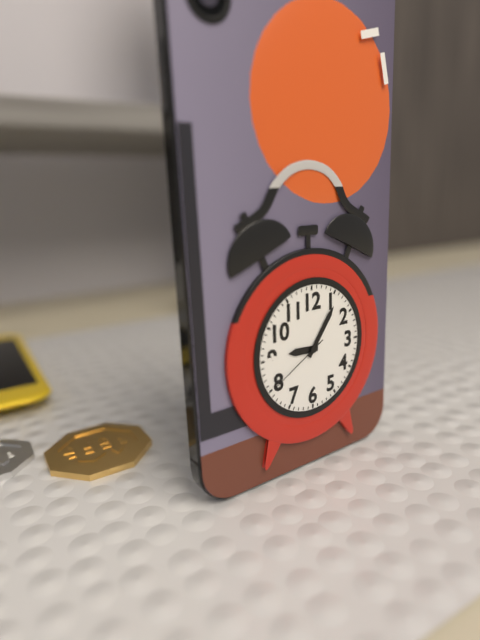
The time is 9h06m40s
